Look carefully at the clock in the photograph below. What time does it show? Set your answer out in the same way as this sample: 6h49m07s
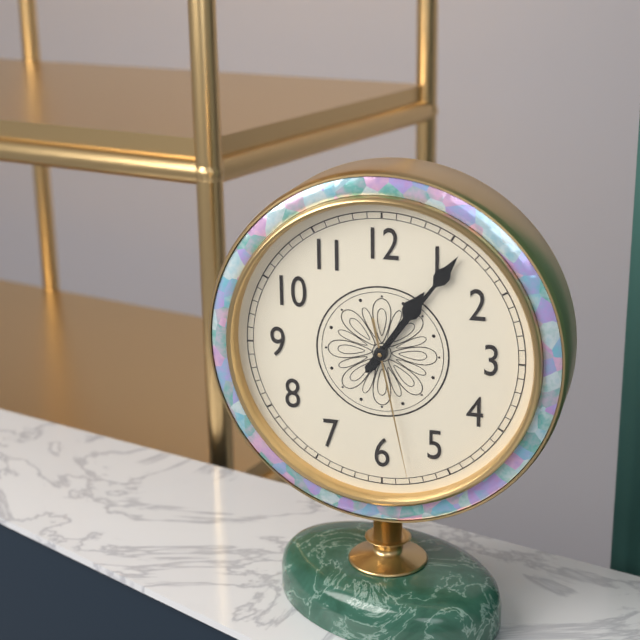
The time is 1h06m28s
